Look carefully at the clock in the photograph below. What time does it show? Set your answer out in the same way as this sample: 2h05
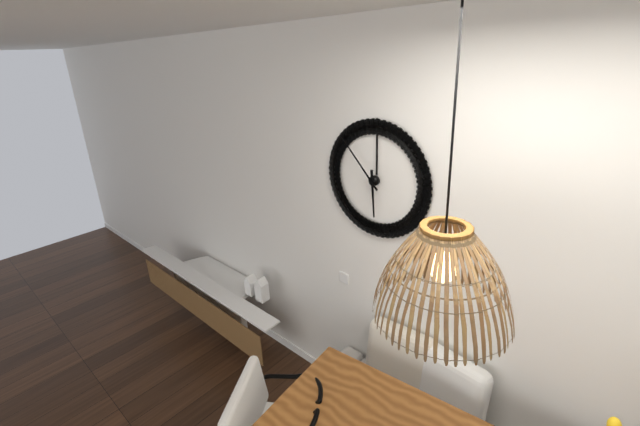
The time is 5h53
